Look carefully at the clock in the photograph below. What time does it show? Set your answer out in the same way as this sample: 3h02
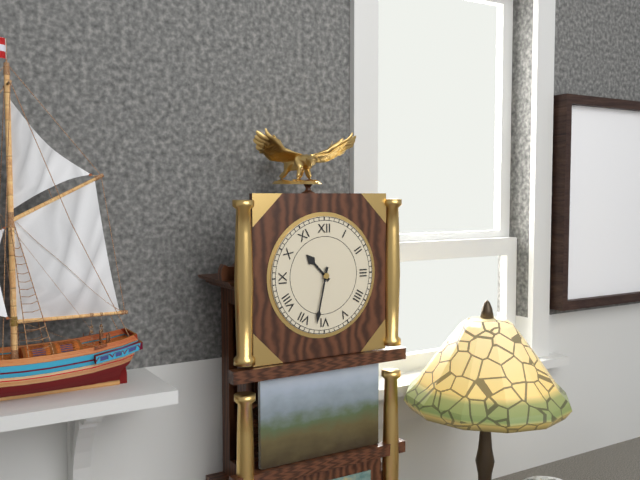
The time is 10h32
